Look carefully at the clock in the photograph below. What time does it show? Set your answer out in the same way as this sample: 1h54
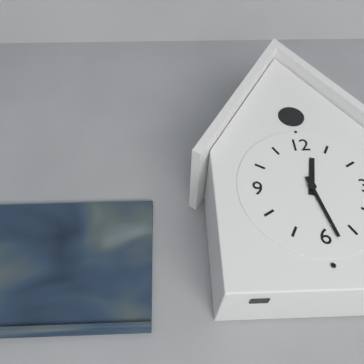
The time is 12h28
